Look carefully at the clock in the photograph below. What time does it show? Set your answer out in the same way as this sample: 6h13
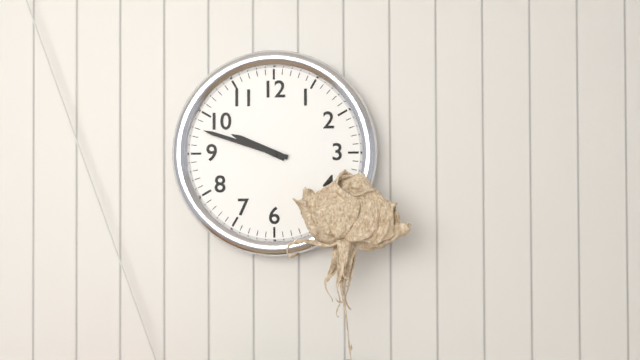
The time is 9h48
